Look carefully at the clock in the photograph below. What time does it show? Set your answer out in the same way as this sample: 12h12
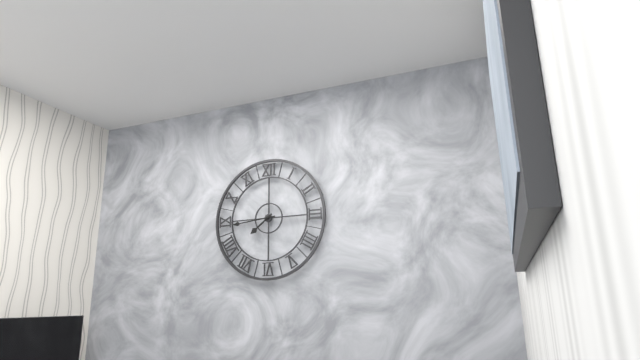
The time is 7h44
